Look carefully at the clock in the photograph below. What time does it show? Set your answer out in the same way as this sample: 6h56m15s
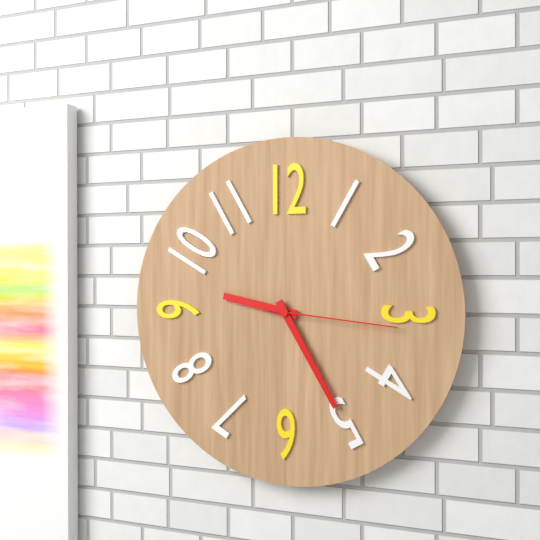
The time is 9h25m16s
